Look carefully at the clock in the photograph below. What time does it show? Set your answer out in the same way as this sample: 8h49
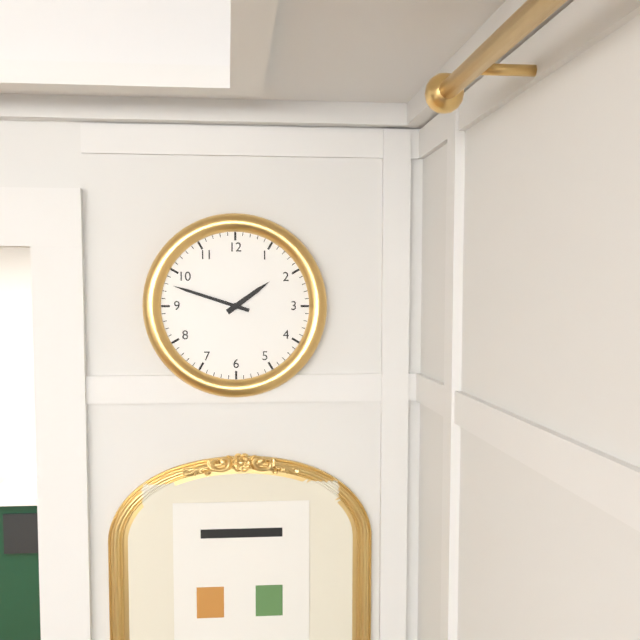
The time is 1h48
